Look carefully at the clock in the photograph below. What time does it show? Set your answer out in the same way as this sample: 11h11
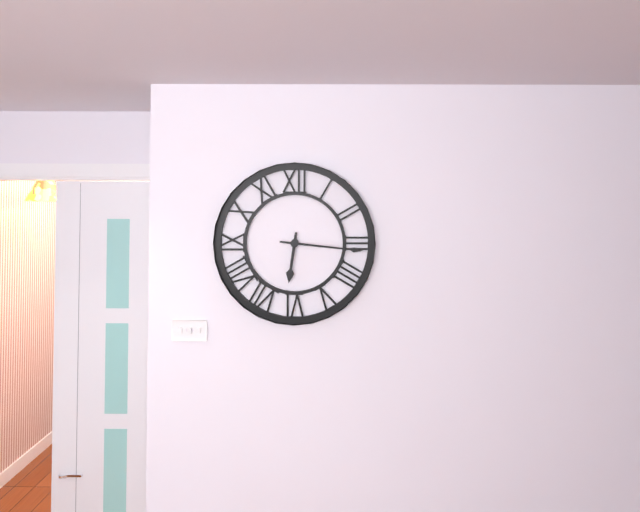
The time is 6h16
